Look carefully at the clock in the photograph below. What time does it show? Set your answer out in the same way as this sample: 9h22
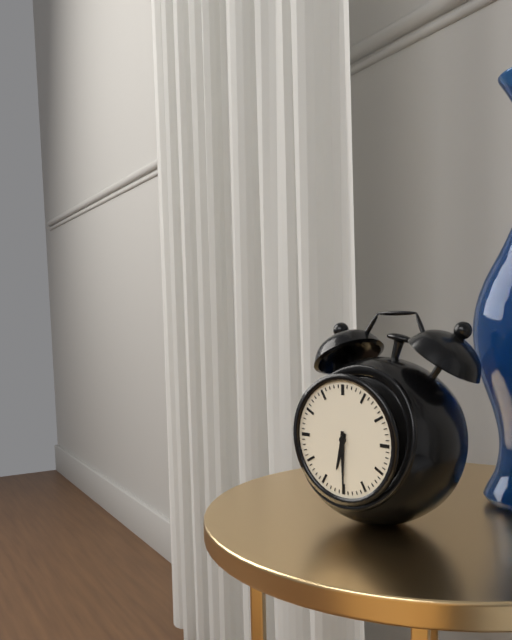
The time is 6h30
